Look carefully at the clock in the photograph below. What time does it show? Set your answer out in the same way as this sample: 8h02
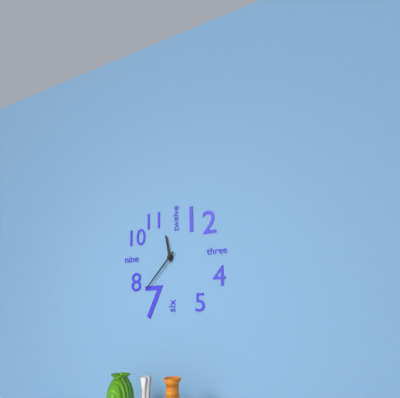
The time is 11h37
